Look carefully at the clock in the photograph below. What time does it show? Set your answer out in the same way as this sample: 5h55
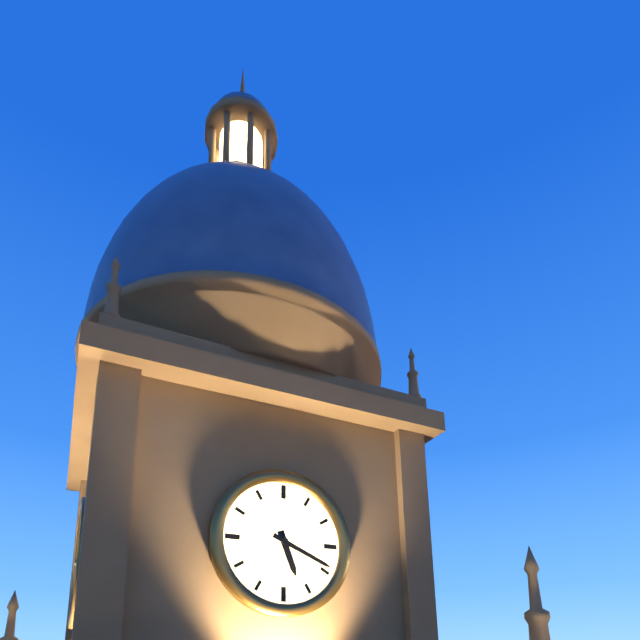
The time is 5h19
